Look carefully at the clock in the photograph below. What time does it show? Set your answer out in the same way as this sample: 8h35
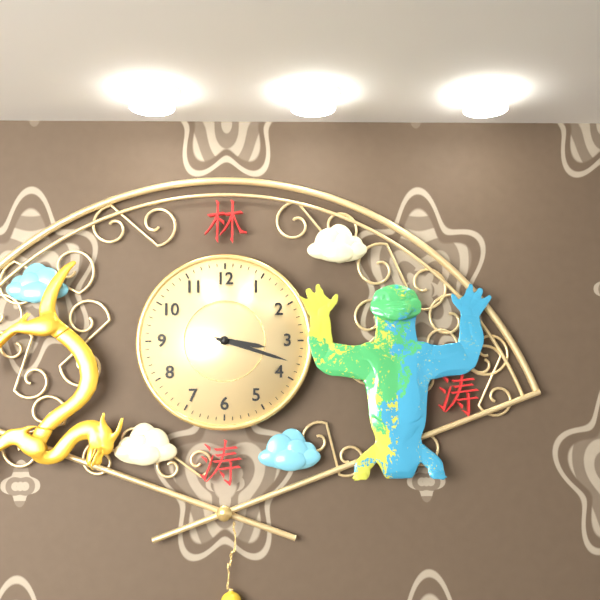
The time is 3h18
